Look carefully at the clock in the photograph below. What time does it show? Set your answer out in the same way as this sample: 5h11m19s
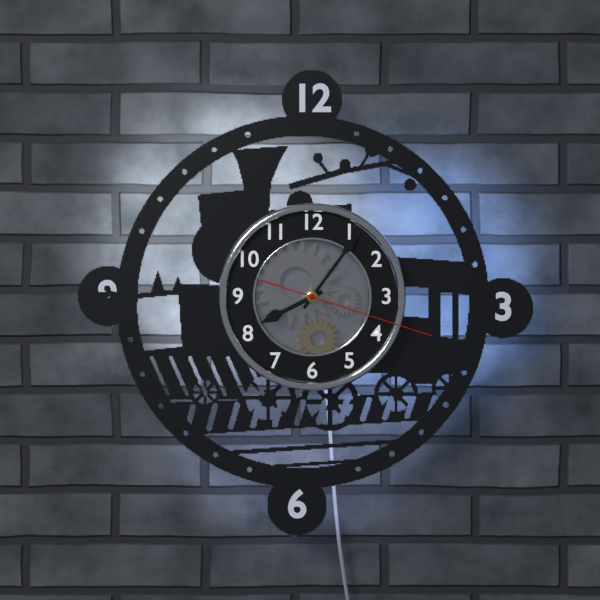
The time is 8h06m18s
